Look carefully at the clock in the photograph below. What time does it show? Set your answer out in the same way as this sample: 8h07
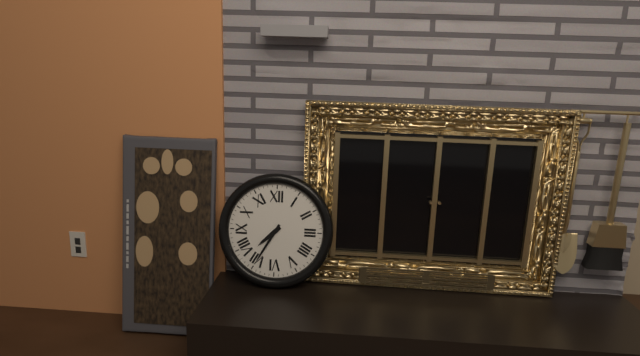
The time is 7h35
